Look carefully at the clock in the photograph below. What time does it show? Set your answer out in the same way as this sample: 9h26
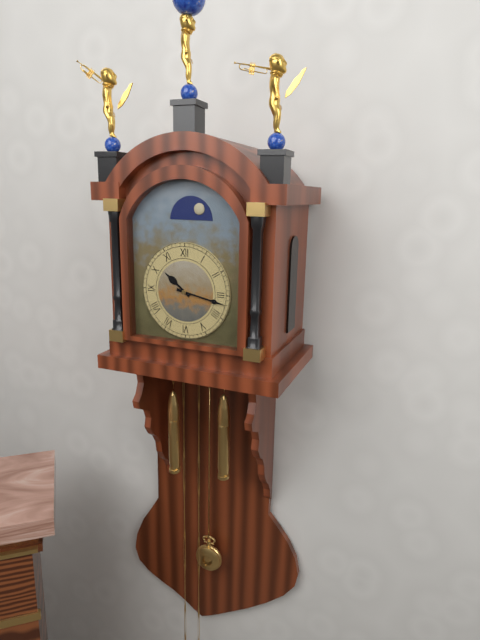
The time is 10h17
